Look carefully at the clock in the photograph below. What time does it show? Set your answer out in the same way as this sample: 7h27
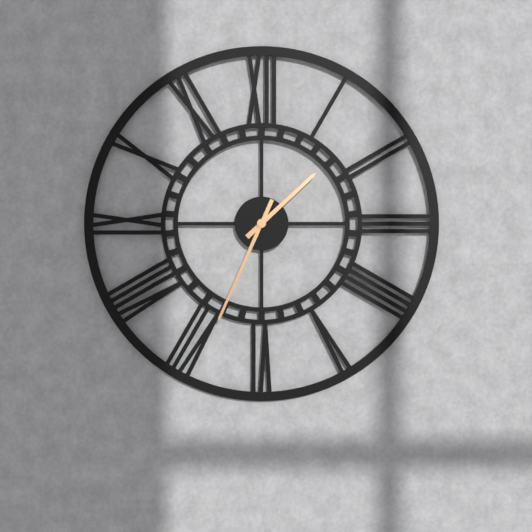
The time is 1h34
